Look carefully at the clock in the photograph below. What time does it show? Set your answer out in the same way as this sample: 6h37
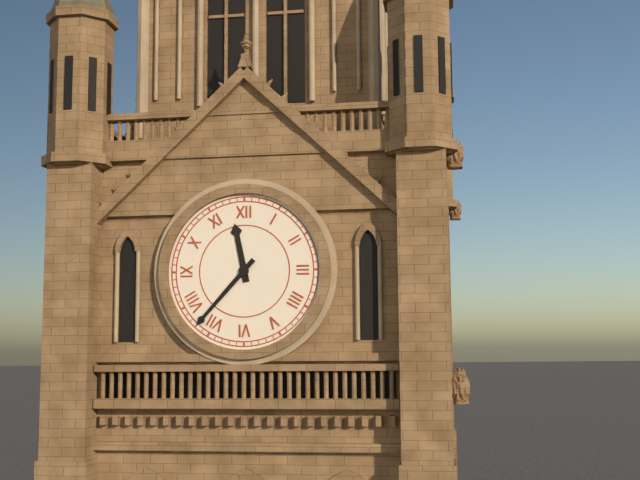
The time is 11h37
